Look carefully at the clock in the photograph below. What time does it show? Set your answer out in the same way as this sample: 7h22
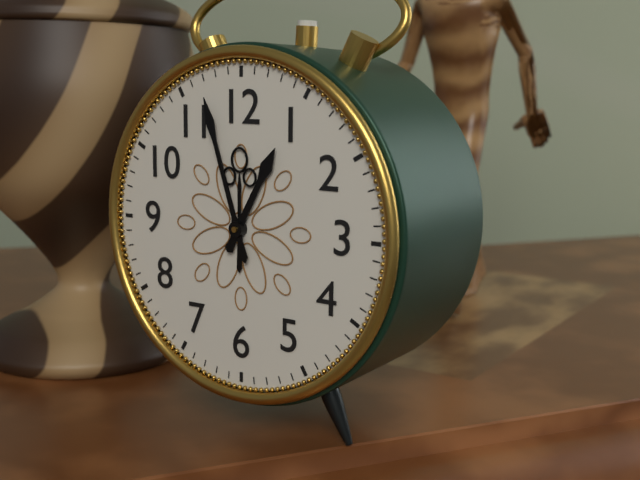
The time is 12h57
